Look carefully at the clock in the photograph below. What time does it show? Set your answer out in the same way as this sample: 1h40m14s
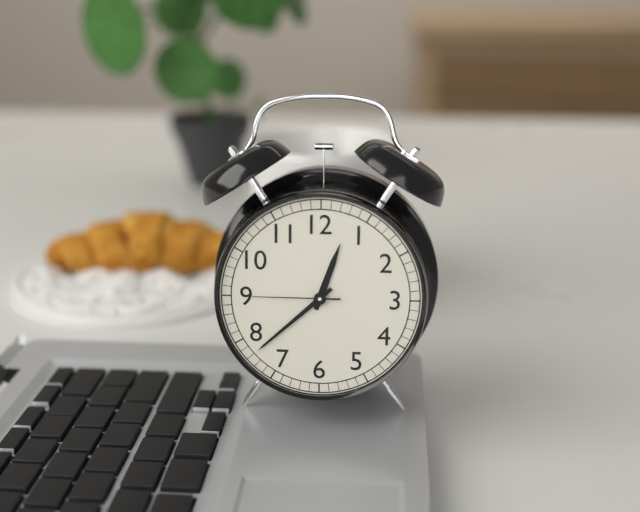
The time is 12h38m45s
